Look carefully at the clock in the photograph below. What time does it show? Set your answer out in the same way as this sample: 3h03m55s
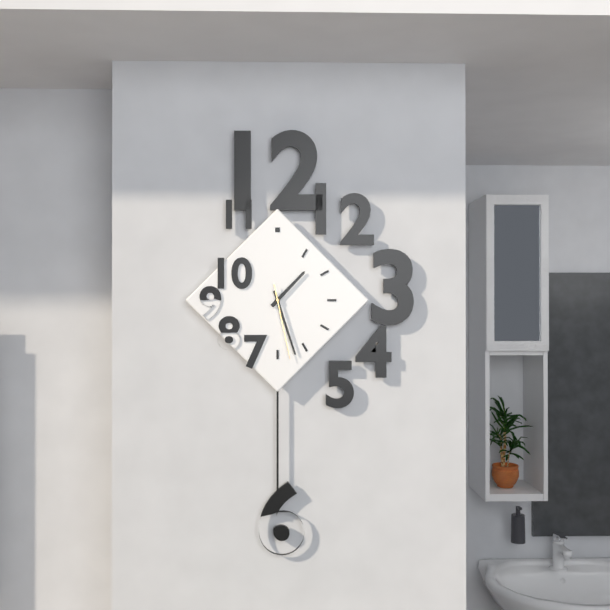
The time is 1h27m28s
